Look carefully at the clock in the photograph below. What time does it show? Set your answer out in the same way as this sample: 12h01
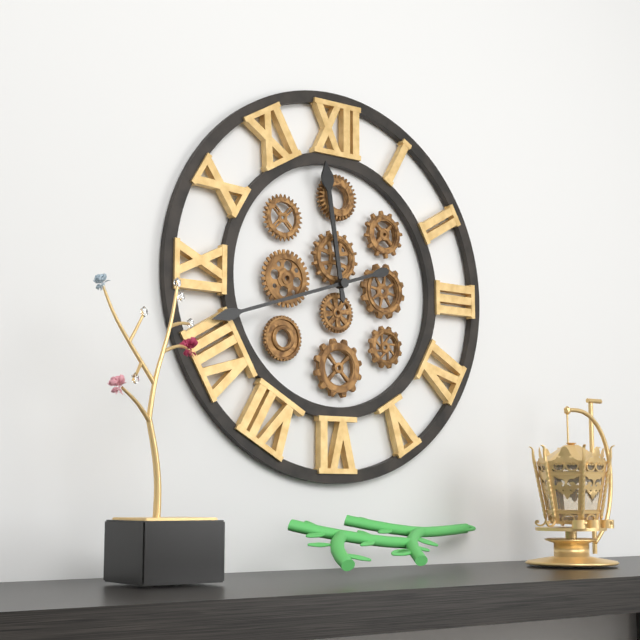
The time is 11h42
